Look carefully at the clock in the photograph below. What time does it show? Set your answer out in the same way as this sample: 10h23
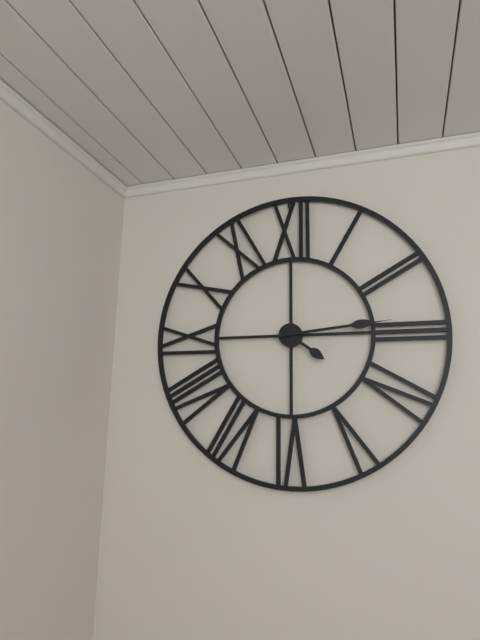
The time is 4h14
